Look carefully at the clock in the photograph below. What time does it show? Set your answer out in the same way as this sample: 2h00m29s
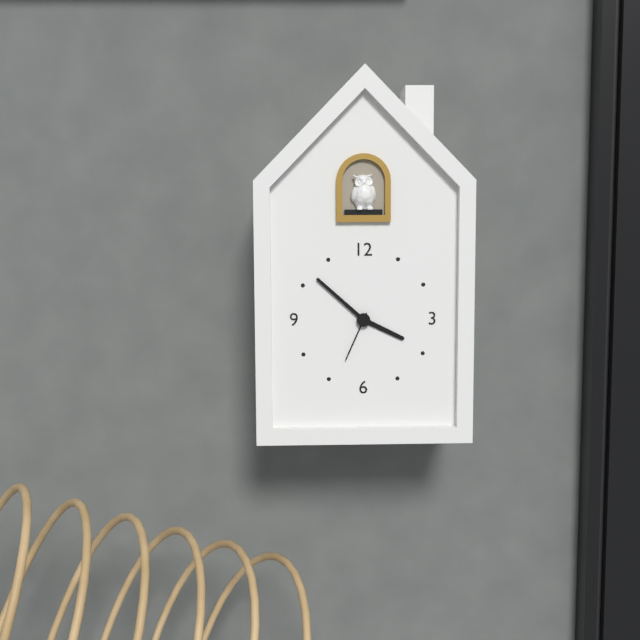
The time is 3h52m34s
